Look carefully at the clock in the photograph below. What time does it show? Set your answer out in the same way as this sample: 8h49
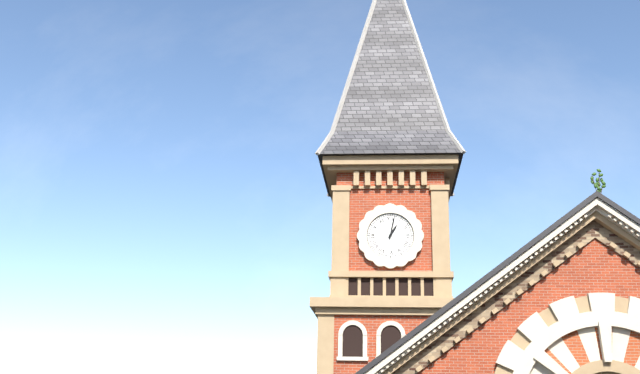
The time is 1h02
